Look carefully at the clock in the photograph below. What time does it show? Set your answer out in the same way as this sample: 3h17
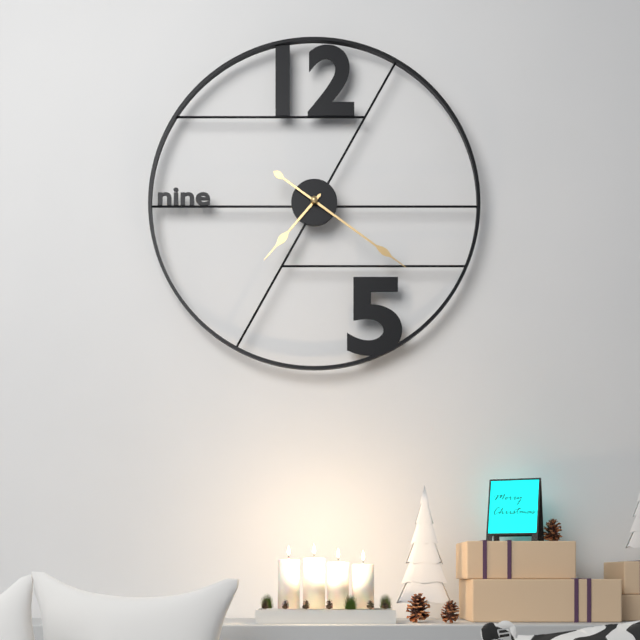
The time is 7h21
